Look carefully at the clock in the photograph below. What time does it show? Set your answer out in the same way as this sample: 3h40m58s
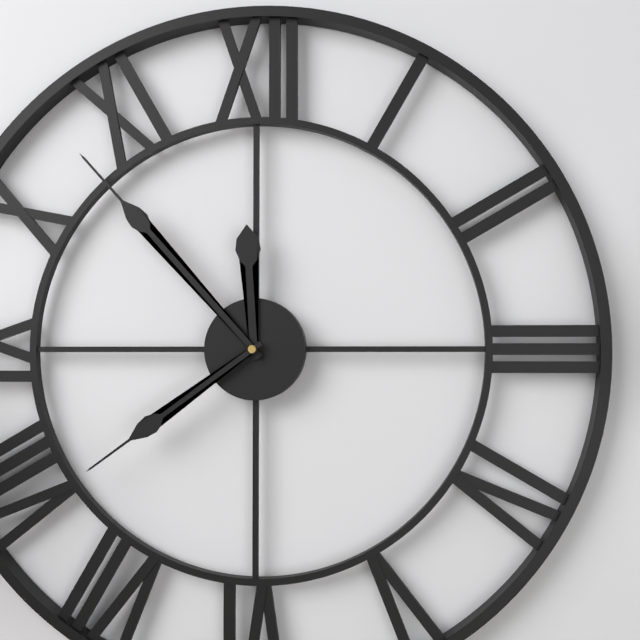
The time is 11h53m39s
